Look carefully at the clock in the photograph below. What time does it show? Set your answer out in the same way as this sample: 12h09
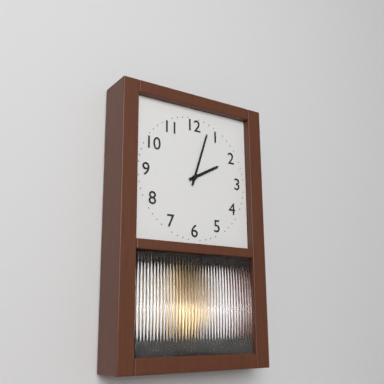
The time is 2h03
